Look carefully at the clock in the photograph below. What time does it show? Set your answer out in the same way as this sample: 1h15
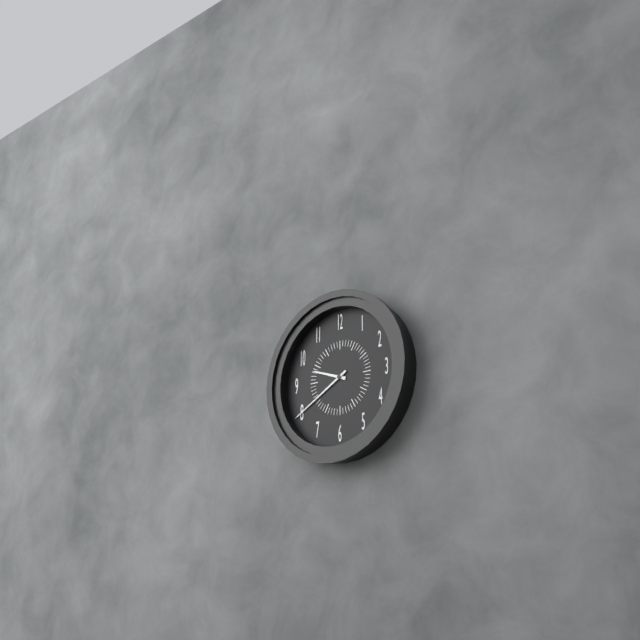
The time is 9h40
